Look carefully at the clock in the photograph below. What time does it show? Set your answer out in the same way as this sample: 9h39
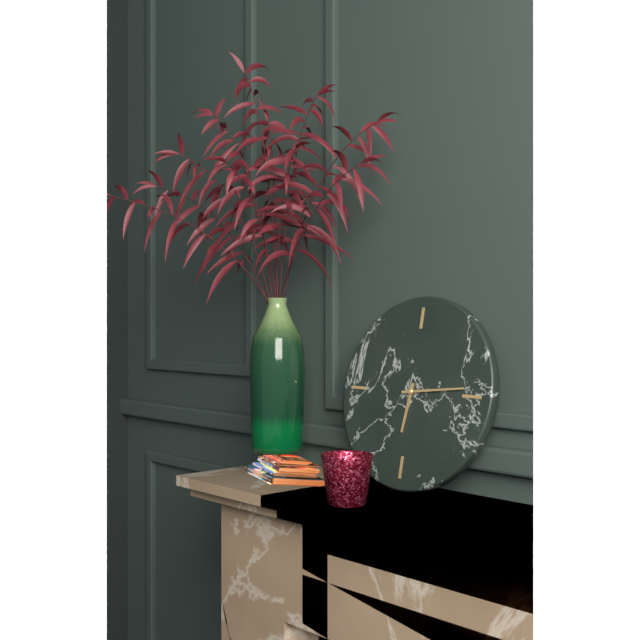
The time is 6h14
